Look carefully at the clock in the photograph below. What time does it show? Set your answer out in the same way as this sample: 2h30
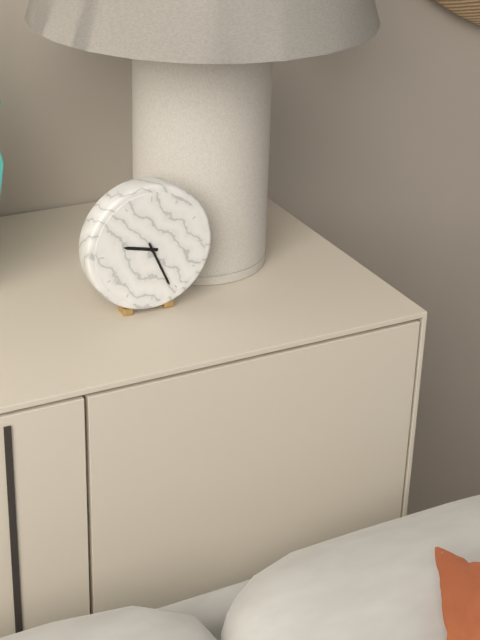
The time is 9h26
